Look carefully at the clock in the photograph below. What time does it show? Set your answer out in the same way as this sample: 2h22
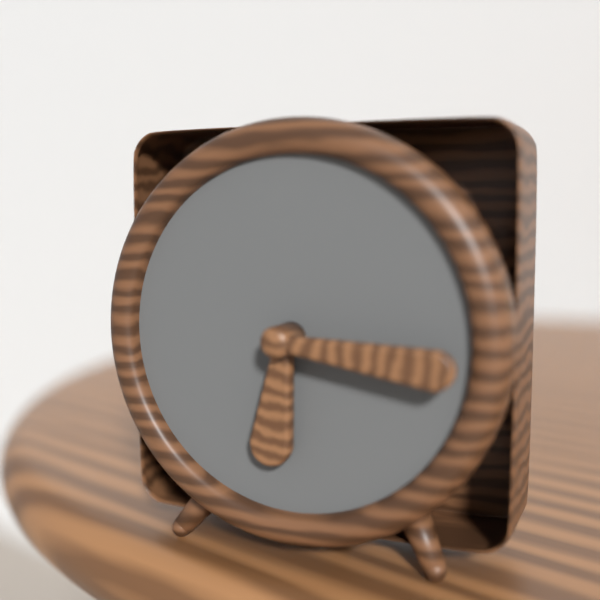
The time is 6h16
